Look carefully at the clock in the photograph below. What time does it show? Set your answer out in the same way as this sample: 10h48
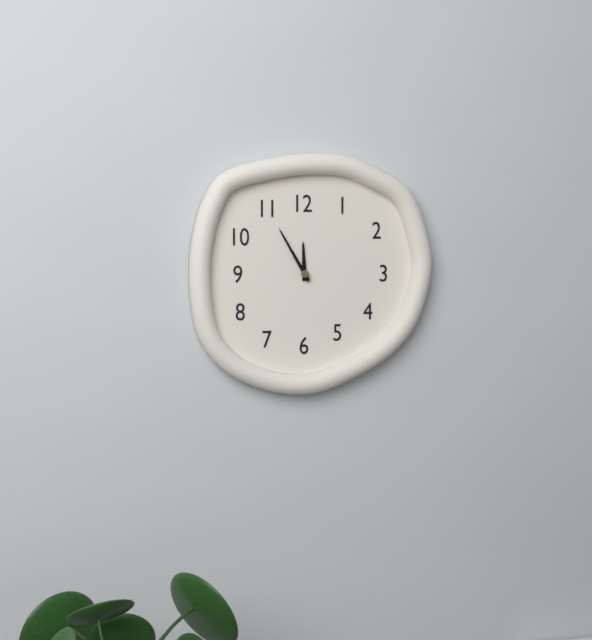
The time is 11h55
